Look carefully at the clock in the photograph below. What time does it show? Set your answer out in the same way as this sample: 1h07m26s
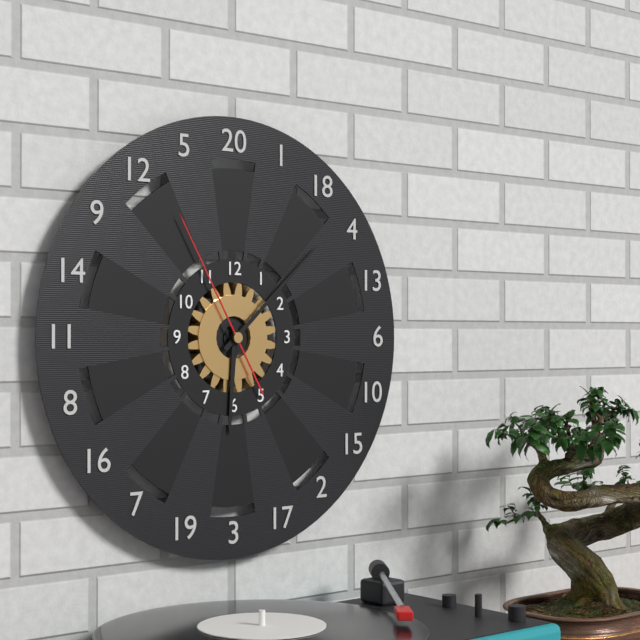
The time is 6h08m55s
